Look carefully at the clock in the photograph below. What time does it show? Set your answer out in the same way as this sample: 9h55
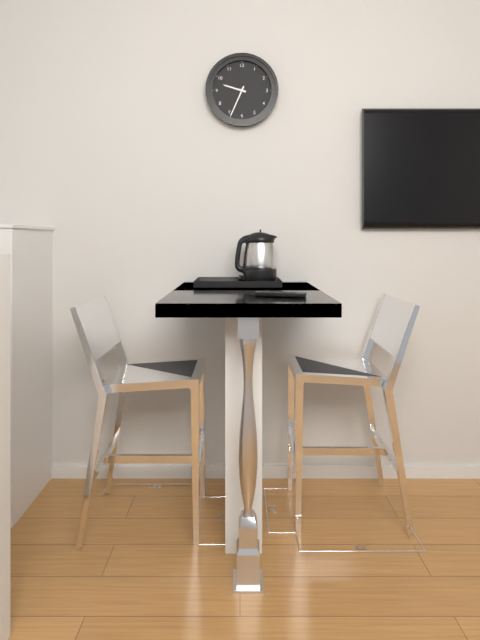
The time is 9h34
